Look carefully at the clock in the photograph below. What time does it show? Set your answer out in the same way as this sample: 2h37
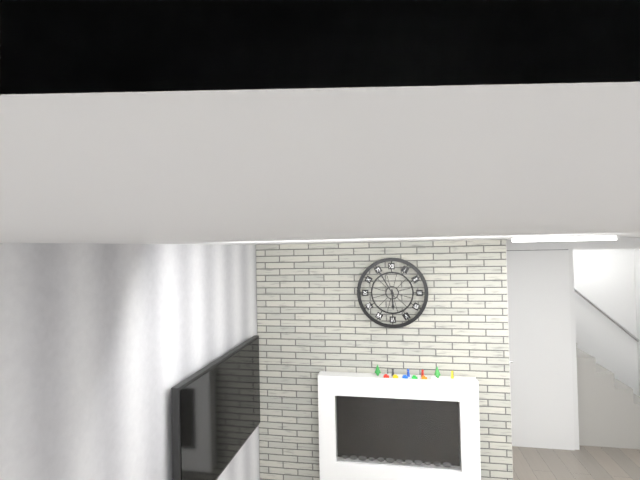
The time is 5h55
